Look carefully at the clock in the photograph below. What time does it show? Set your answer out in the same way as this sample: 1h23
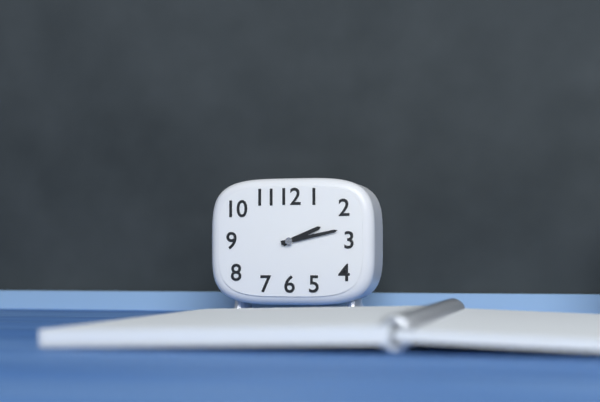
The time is 2h13
